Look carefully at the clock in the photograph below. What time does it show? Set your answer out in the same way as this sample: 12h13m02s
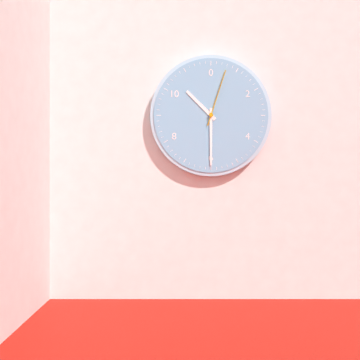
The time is 10h30m03s
